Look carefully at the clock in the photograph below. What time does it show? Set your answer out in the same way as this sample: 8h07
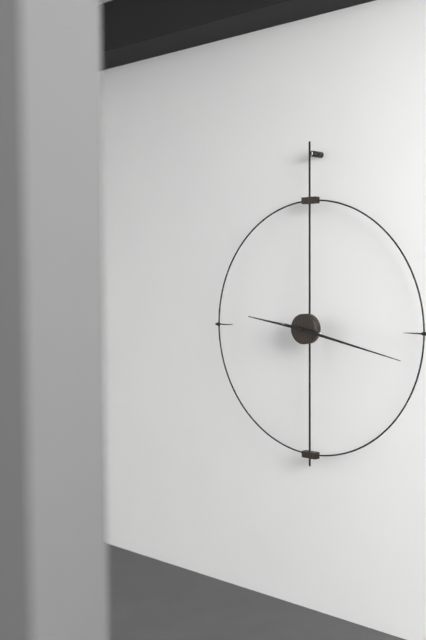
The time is 9h17
